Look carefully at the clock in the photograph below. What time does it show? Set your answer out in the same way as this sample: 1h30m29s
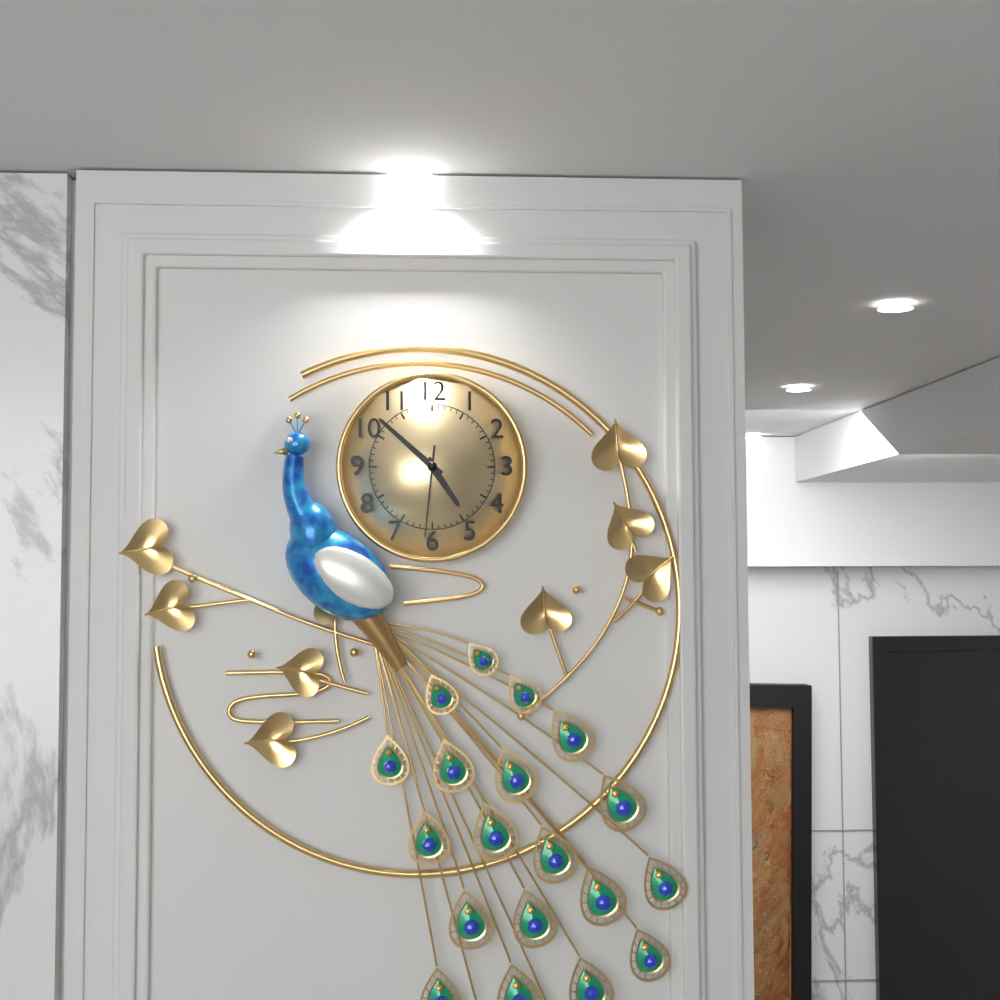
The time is 4h52m31s
